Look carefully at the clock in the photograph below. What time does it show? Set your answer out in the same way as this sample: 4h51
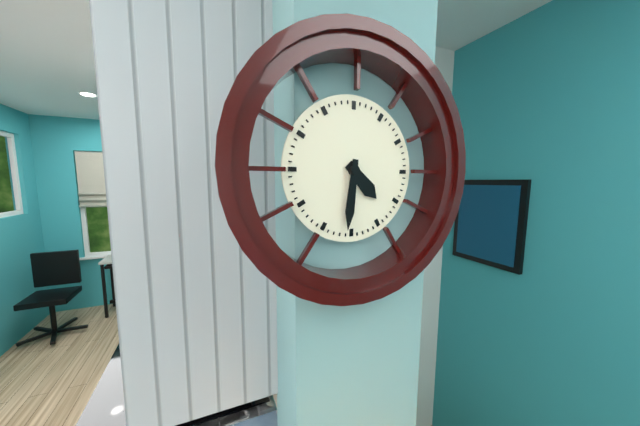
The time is 4h31
